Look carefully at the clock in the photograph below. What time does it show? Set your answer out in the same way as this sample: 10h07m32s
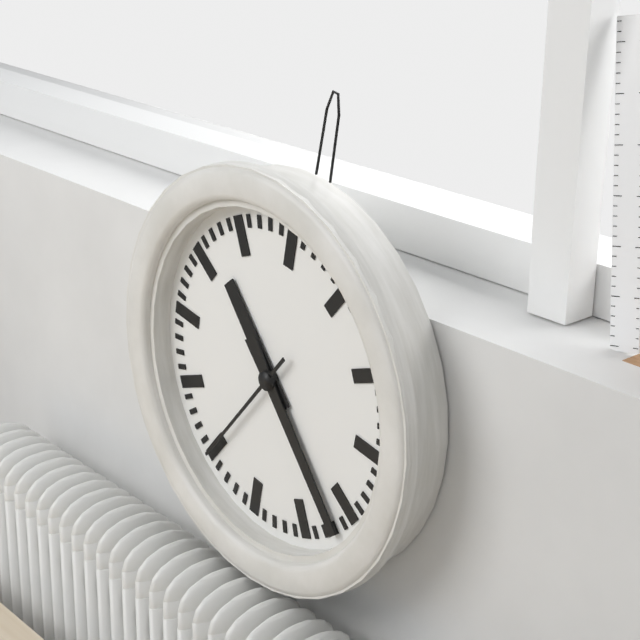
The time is 10h22m35s
